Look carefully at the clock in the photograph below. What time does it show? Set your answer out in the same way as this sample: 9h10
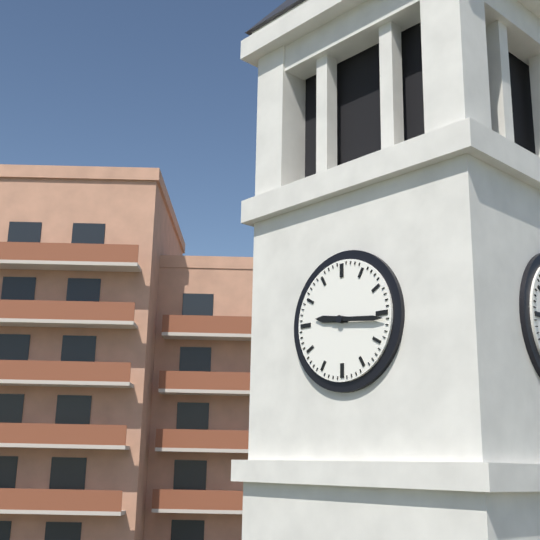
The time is 9h16
